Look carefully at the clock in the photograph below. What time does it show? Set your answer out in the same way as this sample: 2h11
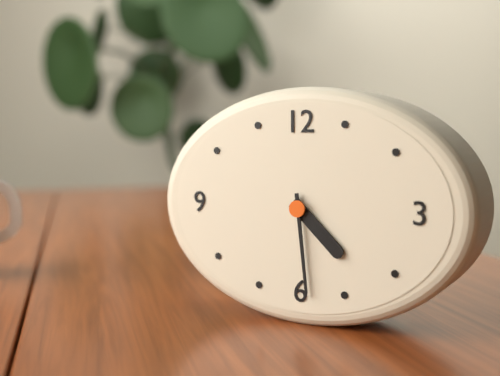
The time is 4h29
